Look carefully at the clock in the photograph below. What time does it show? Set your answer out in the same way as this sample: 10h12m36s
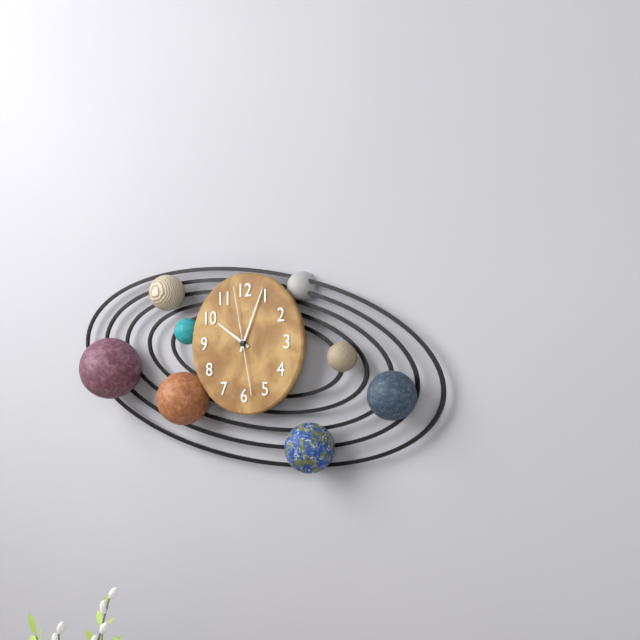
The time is 10h04m58s
